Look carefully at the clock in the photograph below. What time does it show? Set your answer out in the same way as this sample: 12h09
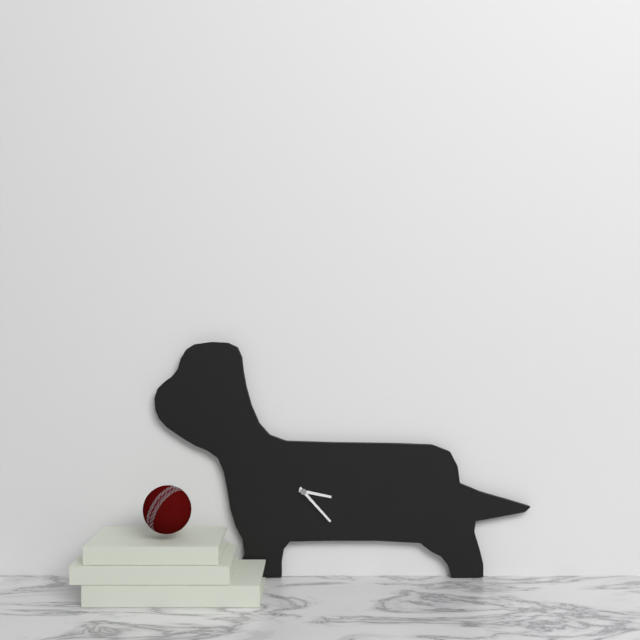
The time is 3h23
